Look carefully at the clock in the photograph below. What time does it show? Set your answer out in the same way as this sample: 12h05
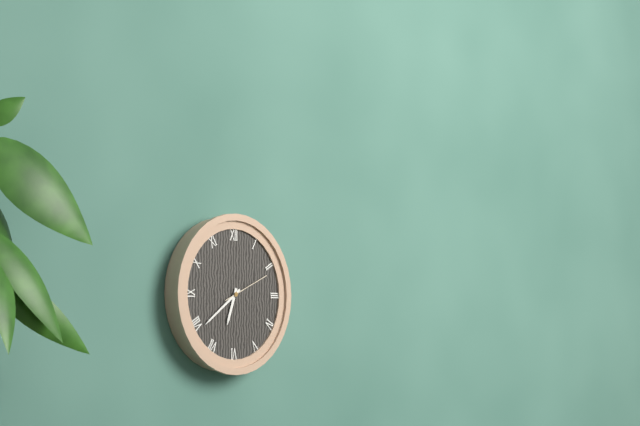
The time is 6h39
